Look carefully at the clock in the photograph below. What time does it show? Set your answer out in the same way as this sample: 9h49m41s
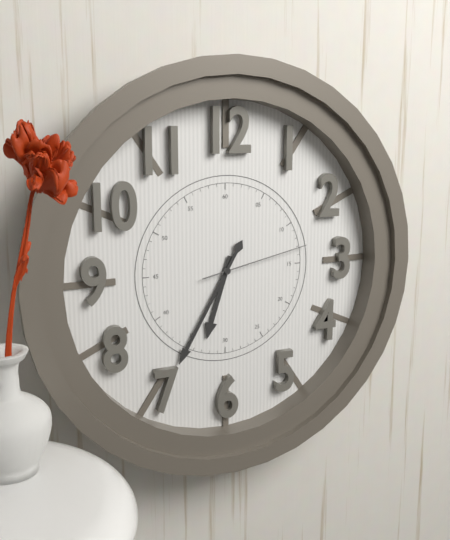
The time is 6h35m13s
